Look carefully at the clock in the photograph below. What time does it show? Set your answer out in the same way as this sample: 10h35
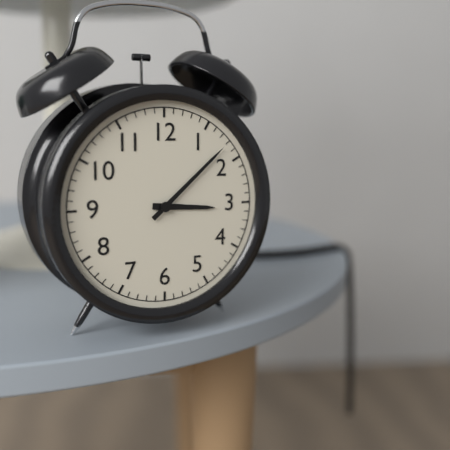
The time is 3h08
